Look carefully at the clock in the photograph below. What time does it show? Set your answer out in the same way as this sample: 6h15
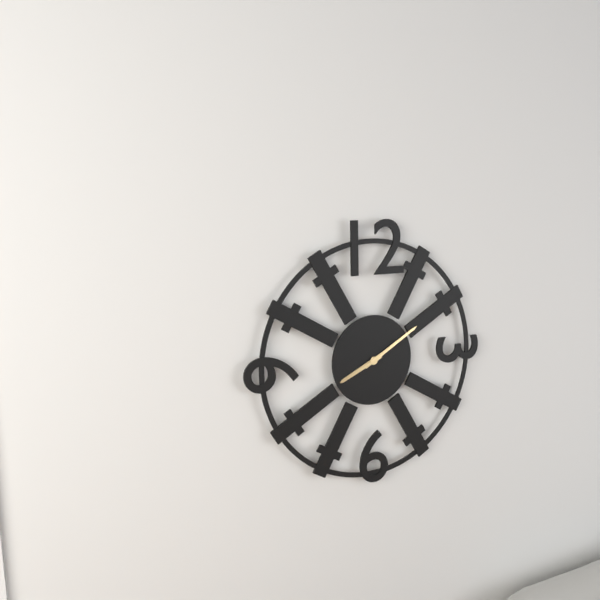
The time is 8h10
